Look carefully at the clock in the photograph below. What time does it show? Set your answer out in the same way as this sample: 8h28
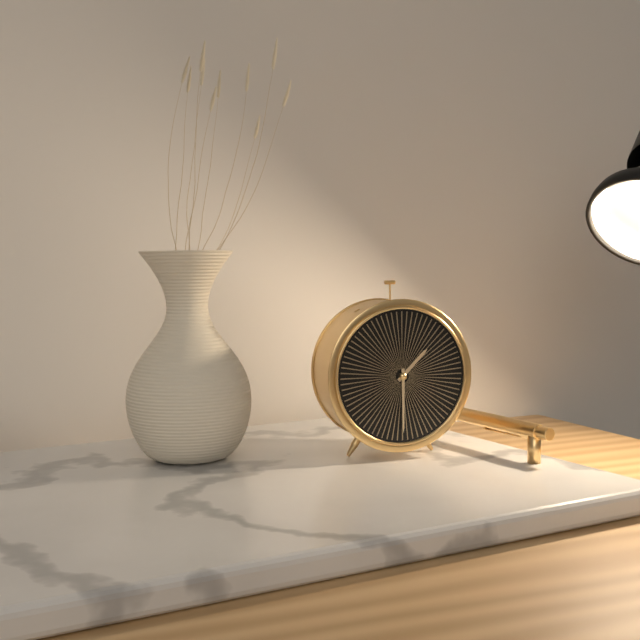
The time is 1h30
